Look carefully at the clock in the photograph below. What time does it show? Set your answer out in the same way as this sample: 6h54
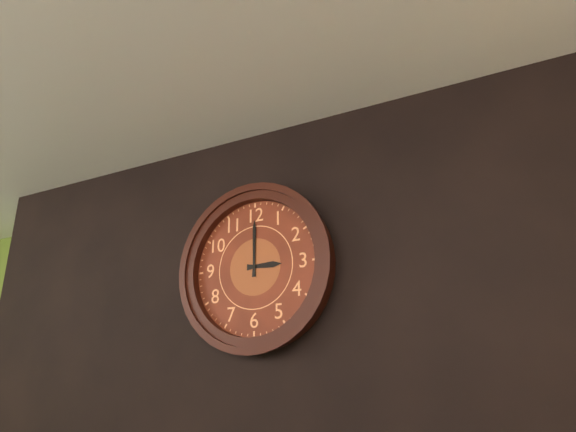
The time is 3h00
